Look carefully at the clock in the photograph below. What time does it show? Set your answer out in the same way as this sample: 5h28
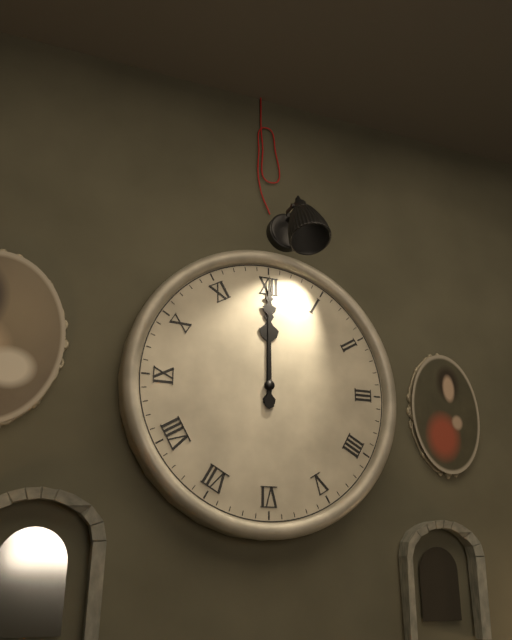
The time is 12h00
